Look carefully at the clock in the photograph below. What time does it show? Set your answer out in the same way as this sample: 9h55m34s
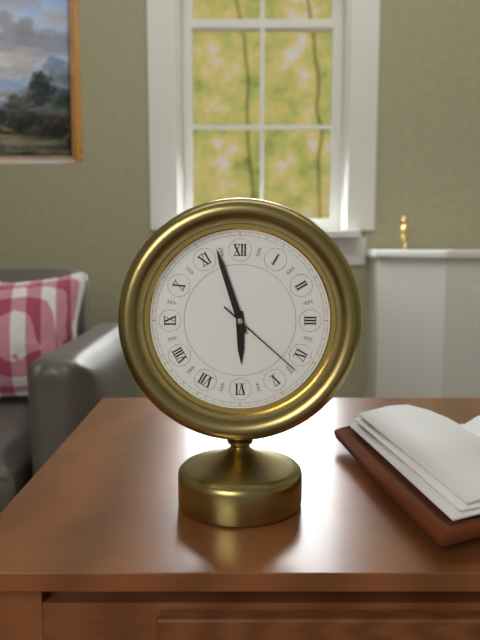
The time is 5h57m22s
